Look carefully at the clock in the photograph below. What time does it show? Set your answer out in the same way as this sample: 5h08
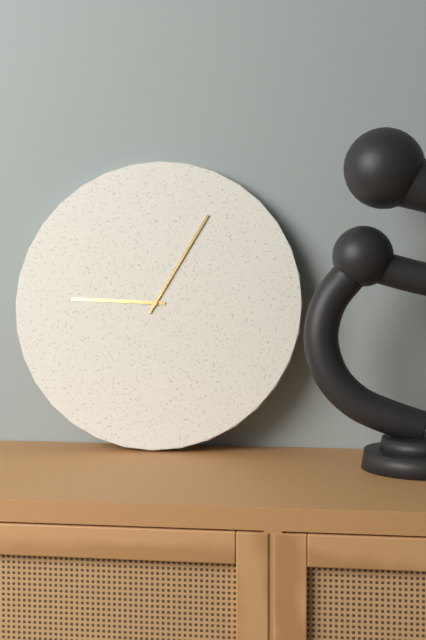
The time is 9h05
